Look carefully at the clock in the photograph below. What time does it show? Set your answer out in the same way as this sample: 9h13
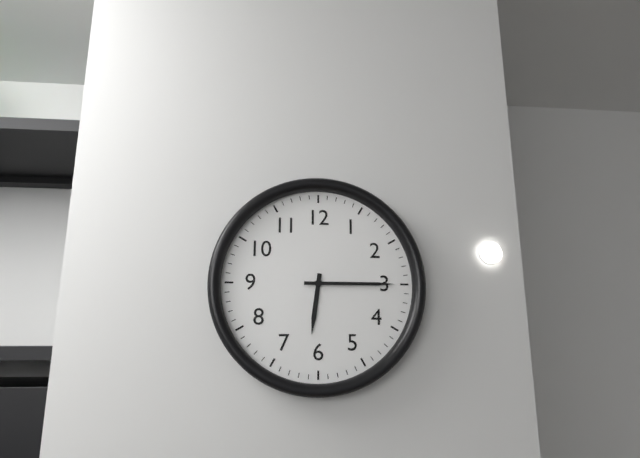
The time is 6h15
